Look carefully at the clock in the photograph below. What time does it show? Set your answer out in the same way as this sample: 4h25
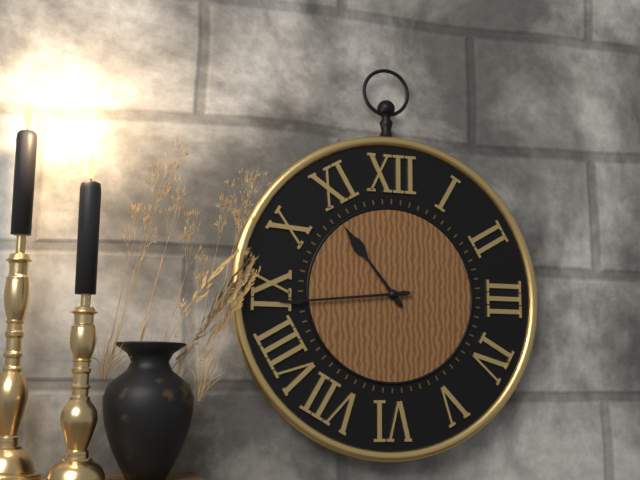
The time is 10h44
